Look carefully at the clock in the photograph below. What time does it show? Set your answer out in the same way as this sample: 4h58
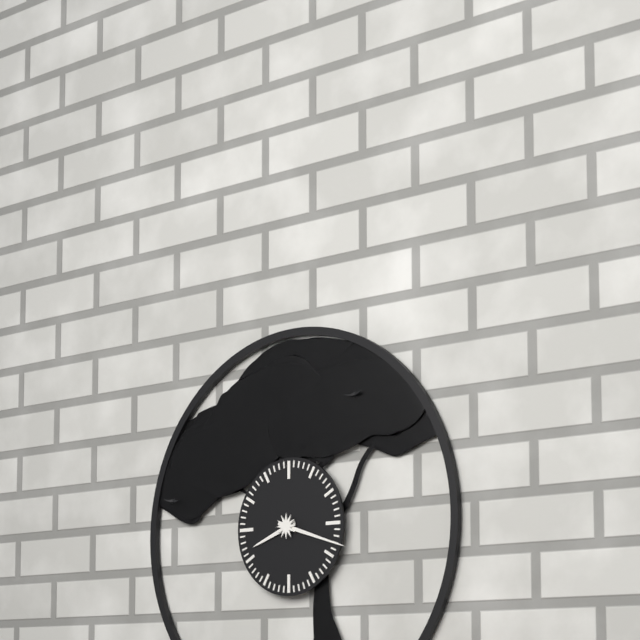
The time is 8h18
